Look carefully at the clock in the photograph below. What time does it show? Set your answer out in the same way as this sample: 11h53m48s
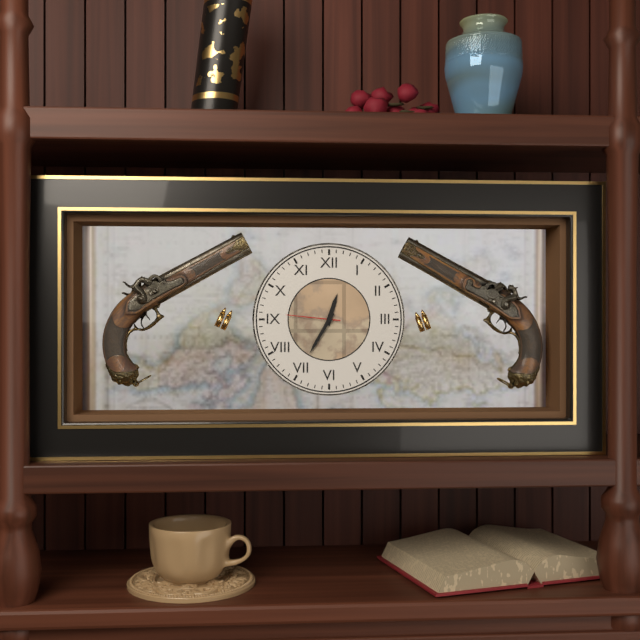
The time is 12h35m46s
